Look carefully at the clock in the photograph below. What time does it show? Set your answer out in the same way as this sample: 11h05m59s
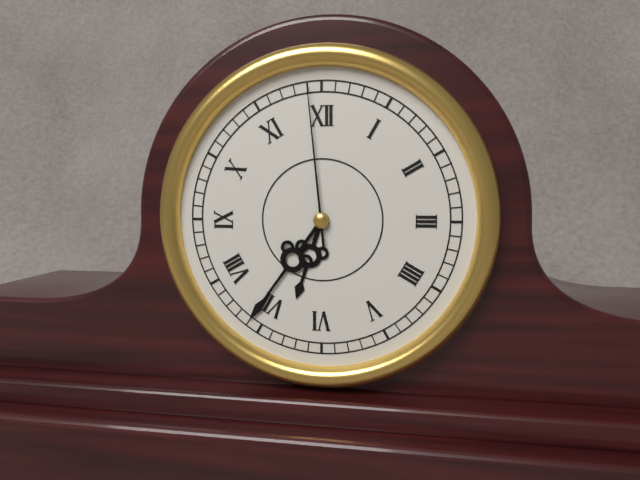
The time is 6h36m59s
